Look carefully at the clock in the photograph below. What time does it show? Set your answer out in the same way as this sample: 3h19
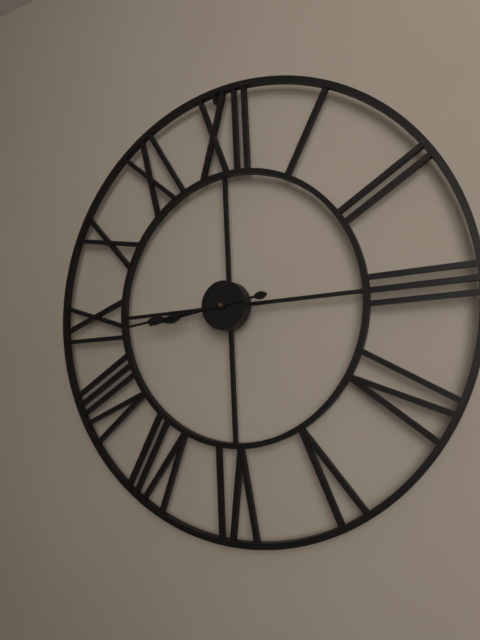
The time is 8h44
